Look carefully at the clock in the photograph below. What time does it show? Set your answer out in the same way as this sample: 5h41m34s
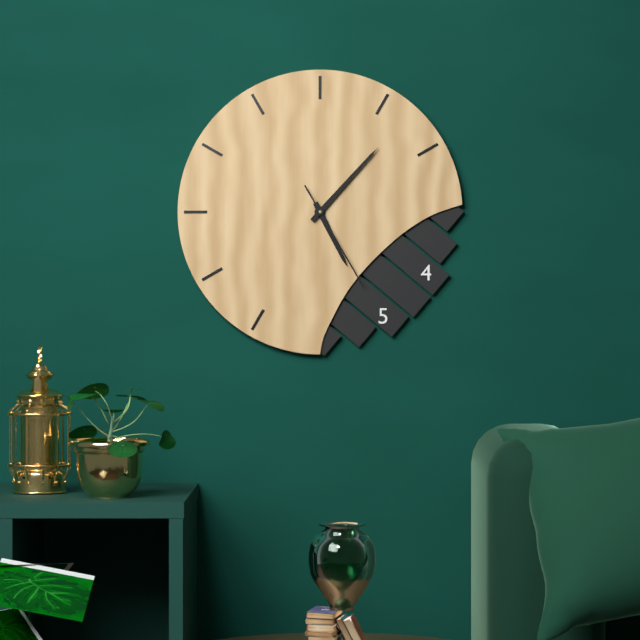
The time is 5h07m25s
